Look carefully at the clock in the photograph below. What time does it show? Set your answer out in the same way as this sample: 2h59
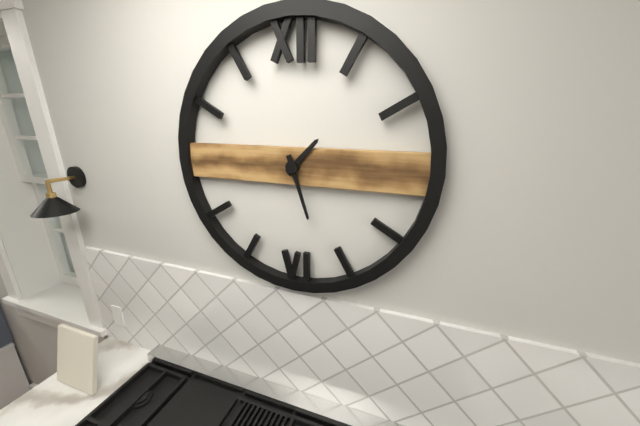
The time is 1h27
